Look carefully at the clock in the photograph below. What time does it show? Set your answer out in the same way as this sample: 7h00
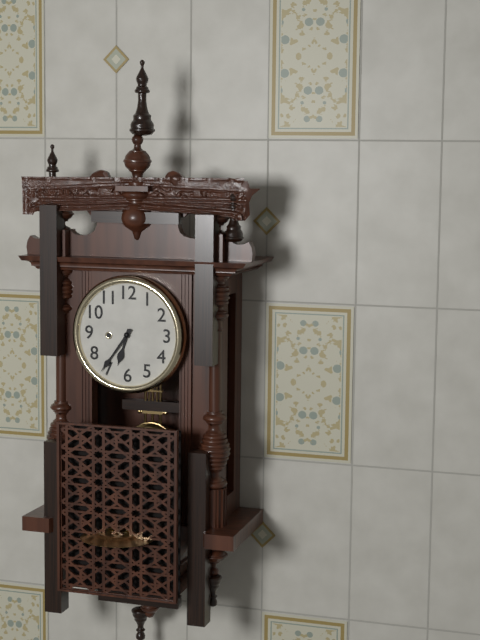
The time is 6h36
